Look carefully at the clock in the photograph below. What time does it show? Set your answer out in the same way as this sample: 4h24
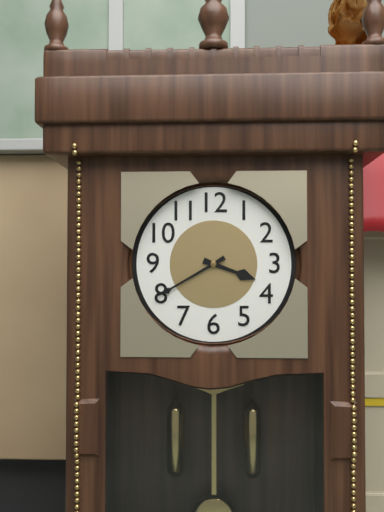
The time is 3h40
